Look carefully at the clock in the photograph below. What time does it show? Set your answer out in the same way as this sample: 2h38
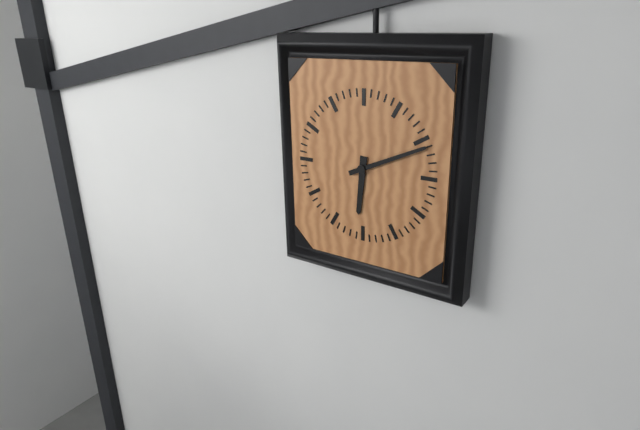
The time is 6h11
